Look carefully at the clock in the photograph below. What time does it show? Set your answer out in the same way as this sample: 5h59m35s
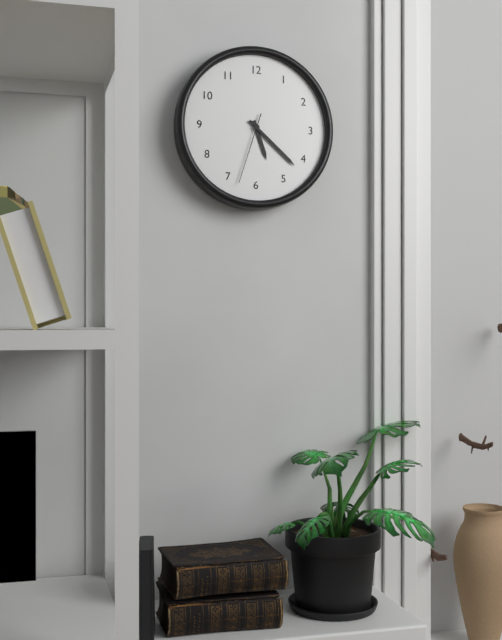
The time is 5h22m33s
